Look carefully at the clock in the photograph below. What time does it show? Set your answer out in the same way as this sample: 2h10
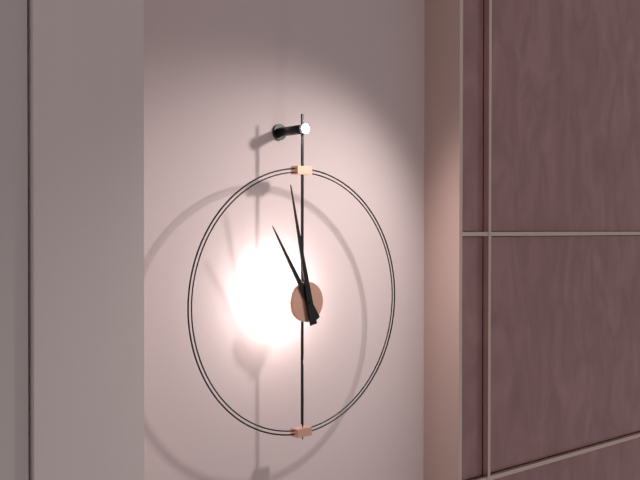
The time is 10h58
